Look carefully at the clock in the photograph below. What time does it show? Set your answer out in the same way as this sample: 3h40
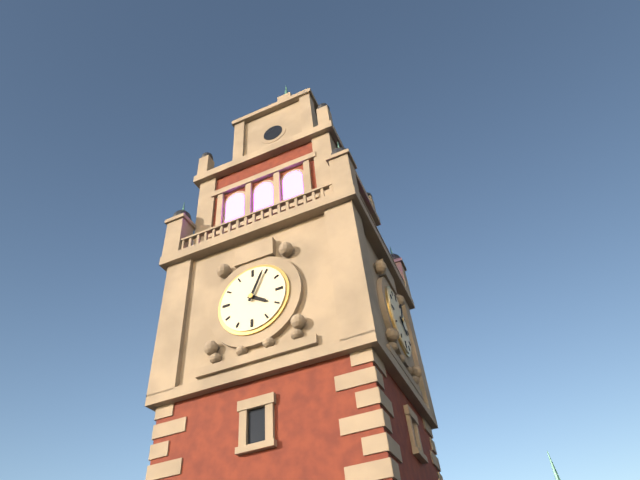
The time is 4h04
